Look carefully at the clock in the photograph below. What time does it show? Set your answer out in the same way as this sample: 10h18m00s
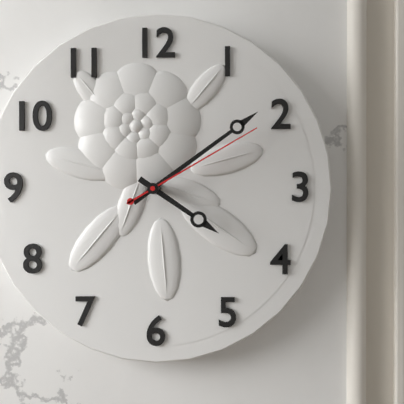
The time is 4h09m10s
